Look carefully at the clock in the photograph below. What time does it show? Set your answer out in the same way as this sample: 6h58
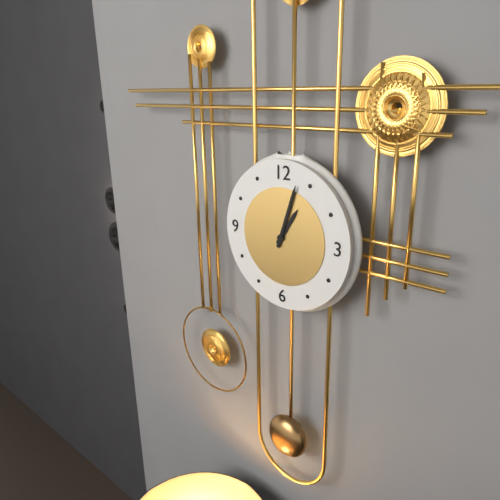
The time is 1h03
